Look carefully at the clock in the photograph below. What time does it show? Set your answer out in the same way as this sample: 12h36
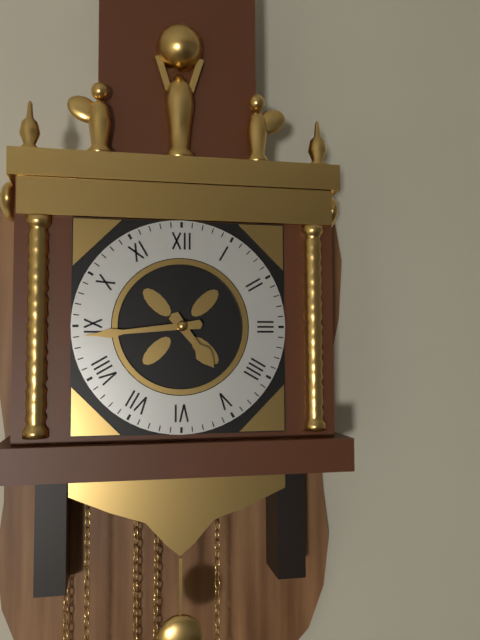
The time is 4h44
